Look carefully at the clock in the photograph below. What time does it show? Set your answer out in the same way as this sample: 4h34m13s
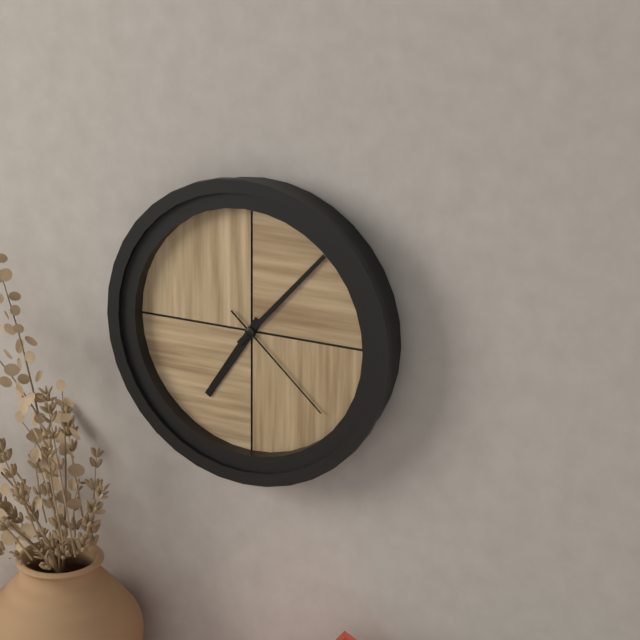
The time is 7h07m22s
